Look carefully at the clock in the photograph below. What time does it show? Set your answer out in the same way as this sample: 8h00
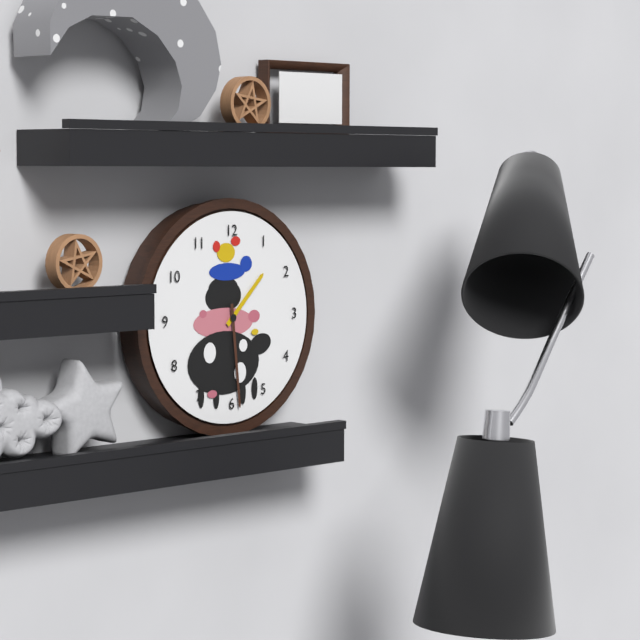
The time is 1h29
